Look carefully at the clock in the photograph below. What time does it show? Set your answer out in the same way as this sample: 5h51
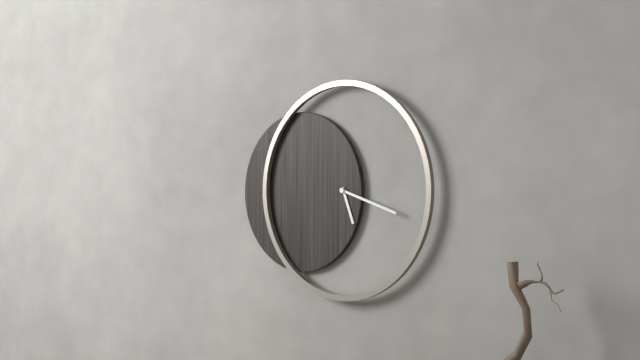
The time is 5h18
